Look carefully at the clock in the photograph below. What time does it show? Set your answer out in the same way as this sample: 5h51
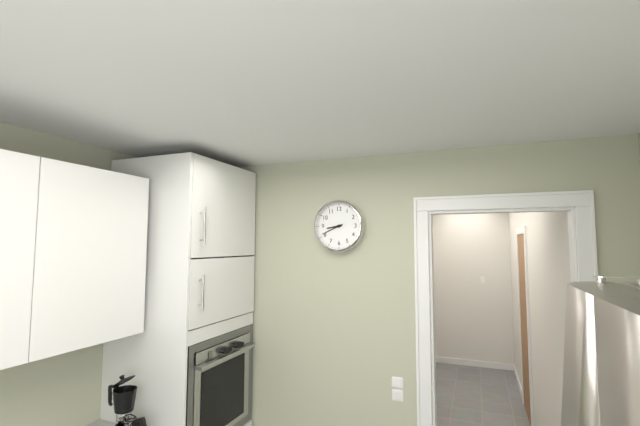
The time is 8h41
